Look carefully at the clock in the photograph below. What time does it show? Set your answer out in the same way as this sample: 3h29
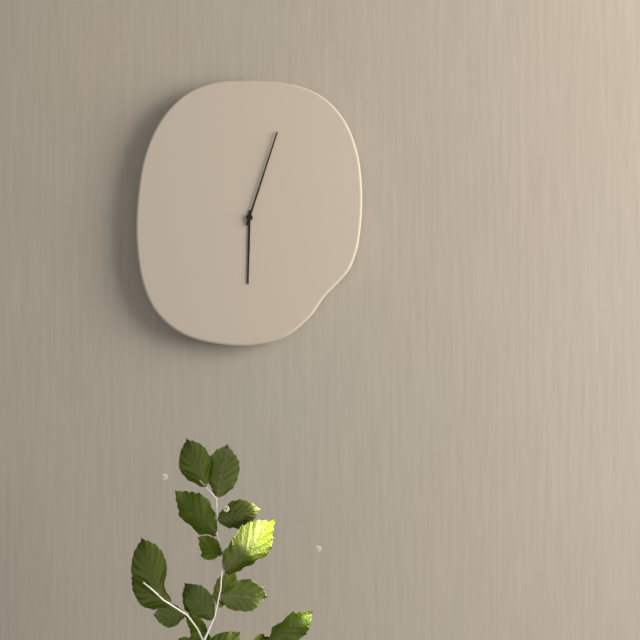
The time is 6h03
